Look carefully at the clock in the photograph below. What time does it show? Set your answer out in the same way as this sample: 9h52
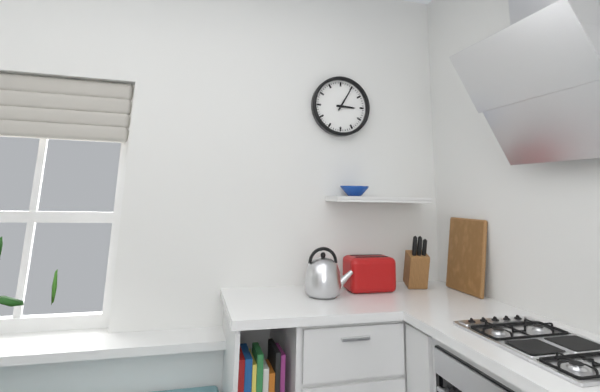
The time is 3h05
